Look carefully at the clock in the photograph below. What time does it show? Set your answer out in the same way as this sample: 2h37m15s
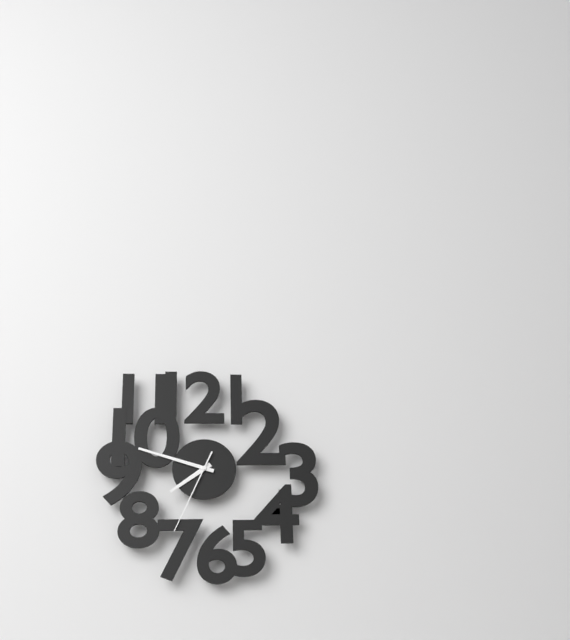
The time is 7h48m34s
